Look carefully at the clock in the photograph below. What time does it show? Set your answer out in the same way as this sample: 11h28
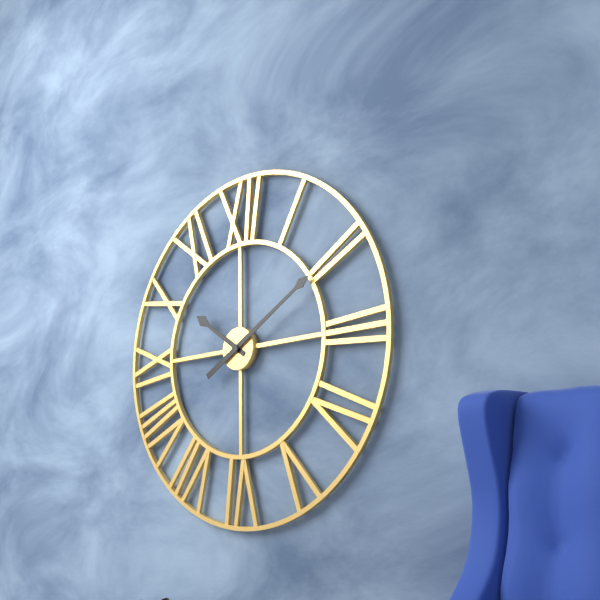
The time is 10h10
